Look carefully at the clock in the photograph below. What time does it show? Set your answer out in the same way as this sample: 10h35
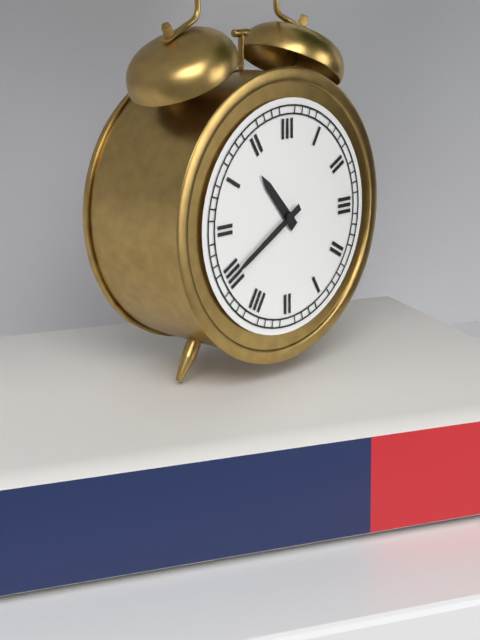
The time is 10h40
